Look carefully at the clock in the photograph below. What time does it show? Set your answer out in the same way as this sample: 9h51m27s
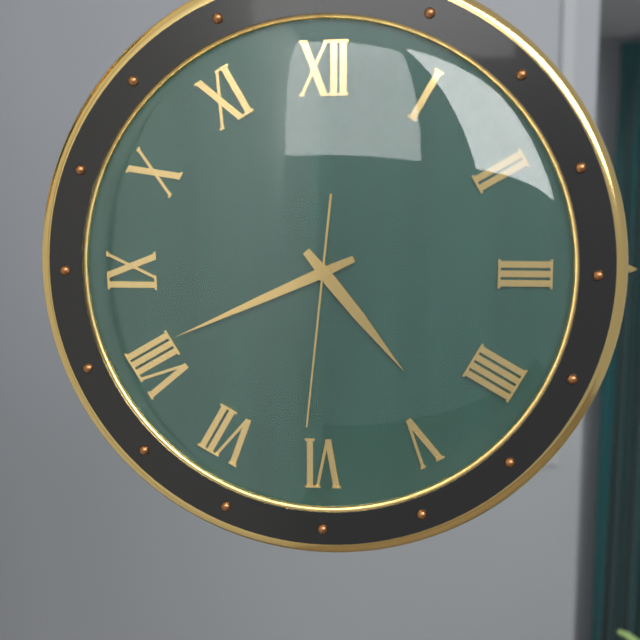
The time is 4h41m31s
